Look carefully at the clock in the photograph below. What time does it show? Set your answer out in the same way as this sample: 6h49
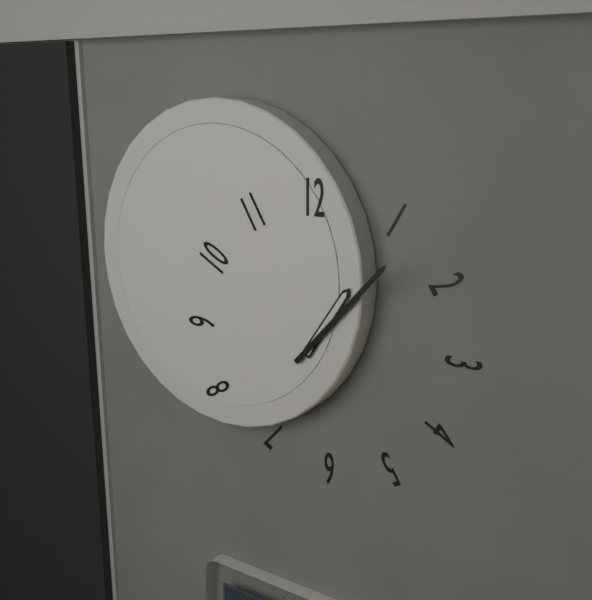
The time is 1h07
